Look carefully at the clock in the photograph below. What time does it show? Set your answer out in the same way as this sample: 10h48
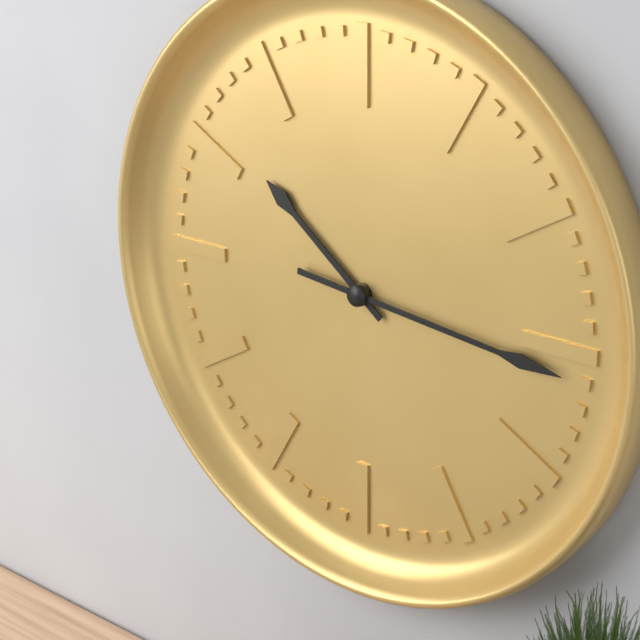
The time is 10h16
